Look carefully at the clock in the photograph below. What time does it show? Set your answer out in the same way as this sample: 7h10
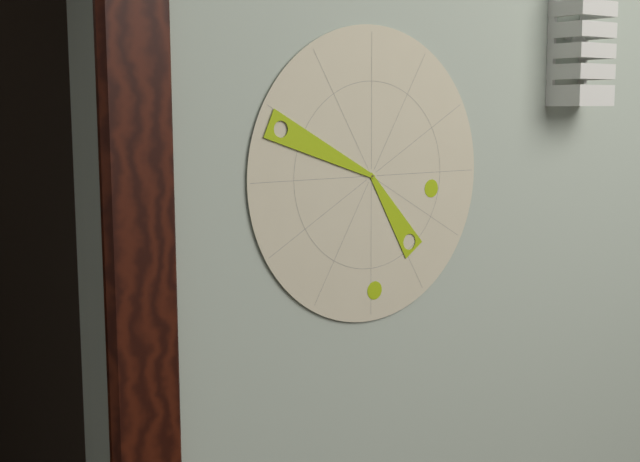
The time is 4h49
